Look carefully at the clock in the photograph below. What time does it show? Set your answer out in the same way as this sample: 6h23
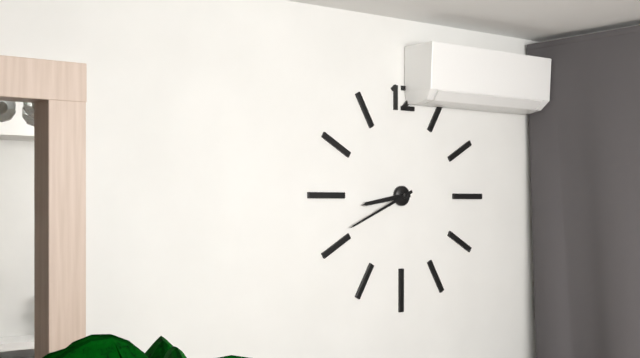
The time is 8h41
